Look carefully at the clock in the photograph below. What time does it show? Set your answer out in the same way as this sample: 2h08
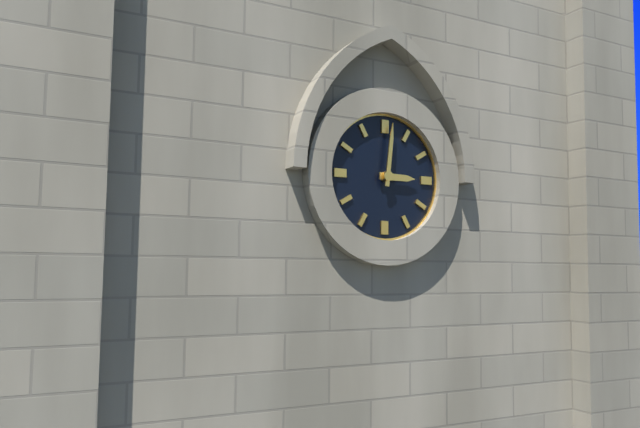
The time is 3h01
